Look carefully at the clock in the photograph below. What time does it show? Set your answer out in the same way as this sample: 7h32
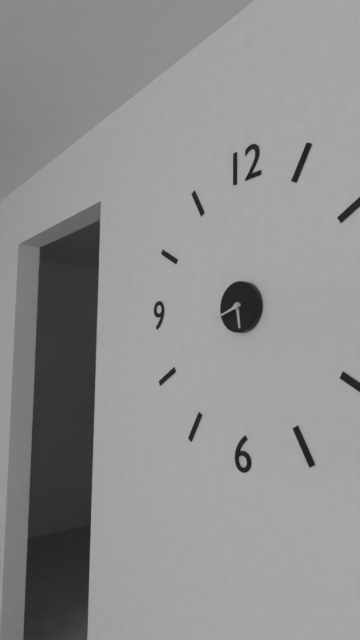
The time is 5h42
